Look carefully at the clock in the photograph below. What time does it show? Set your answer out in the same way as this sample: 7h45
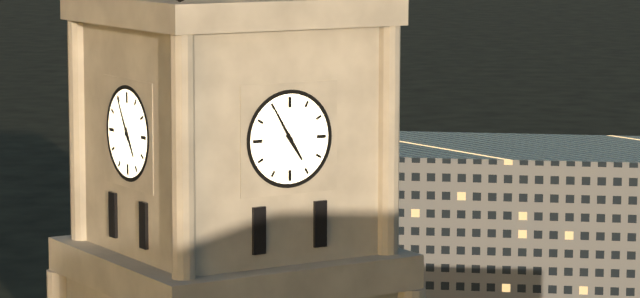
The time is 4h55
